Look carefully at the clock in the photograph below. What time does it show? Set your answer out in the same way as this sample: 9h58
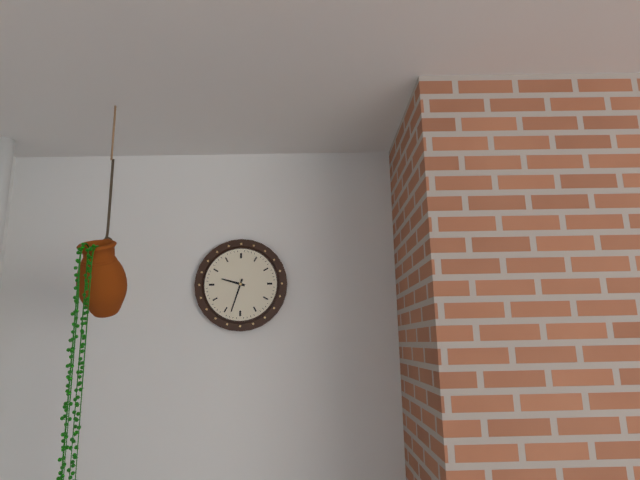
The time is 9h33
